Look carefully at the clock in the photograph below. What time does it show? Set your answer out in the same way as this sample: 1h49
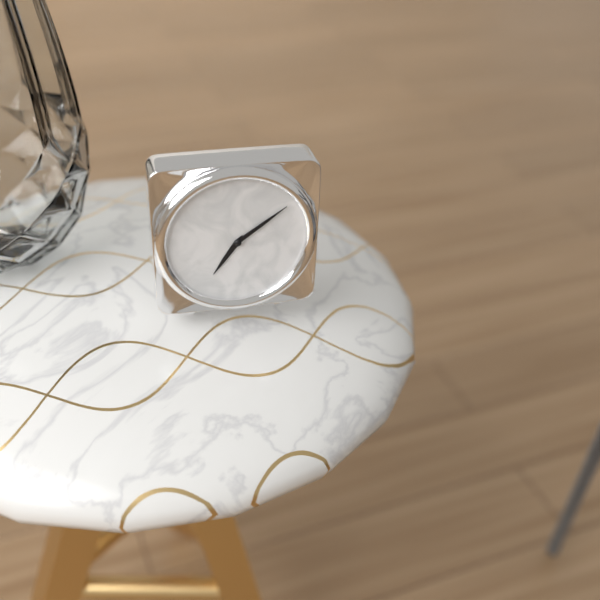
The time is 7h09
